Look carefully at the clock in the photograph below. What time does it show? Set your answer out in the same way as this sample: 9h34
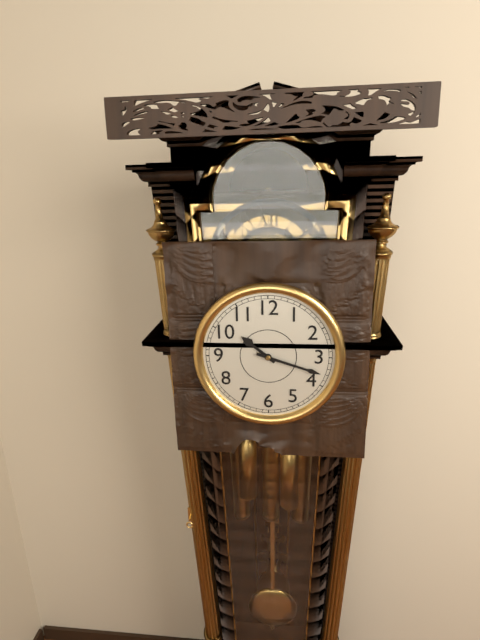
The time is 10h18
